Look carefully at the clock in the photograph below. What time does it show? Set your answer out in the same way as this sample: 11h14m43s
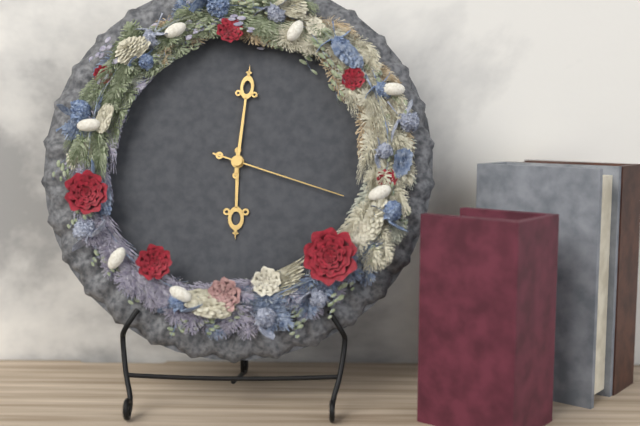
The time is 6h01m18s
